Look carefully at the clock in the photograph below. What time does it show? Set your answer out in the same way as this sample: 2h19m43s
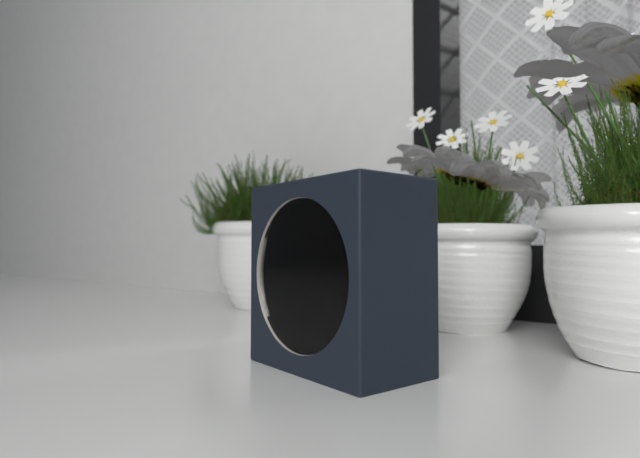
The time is 10h19m04s
